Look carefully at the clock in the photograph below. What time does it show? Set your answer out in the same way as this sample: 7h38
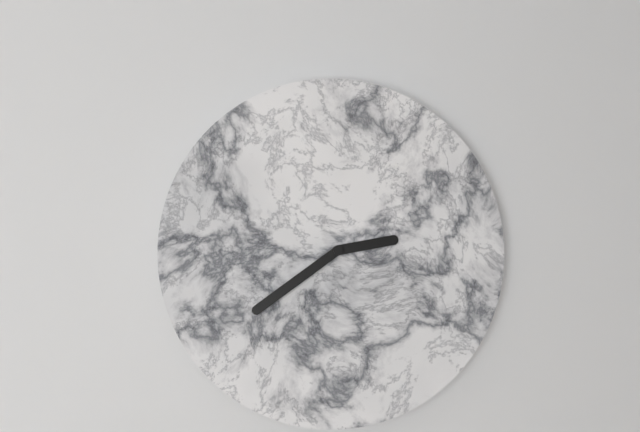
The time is 2h39
